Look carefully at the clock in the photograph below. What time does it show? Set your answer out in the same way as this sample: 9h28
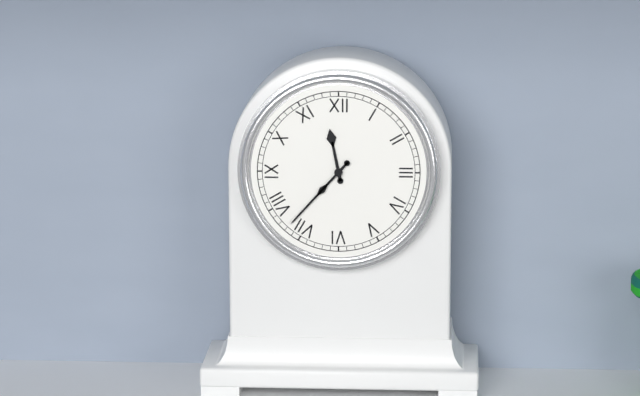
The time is 11h37
